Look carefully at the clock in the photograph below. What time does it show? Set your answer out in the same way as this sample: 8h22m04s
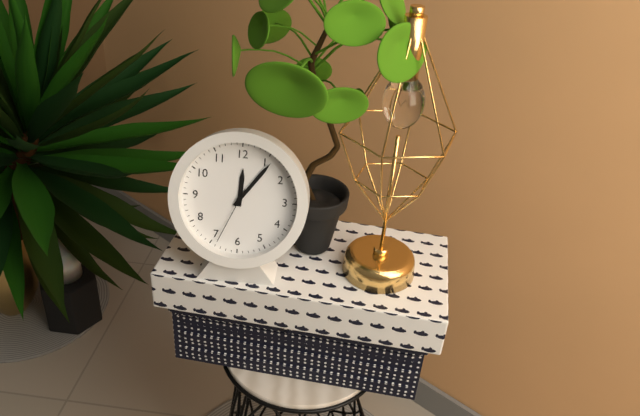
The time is 12h06m34s
